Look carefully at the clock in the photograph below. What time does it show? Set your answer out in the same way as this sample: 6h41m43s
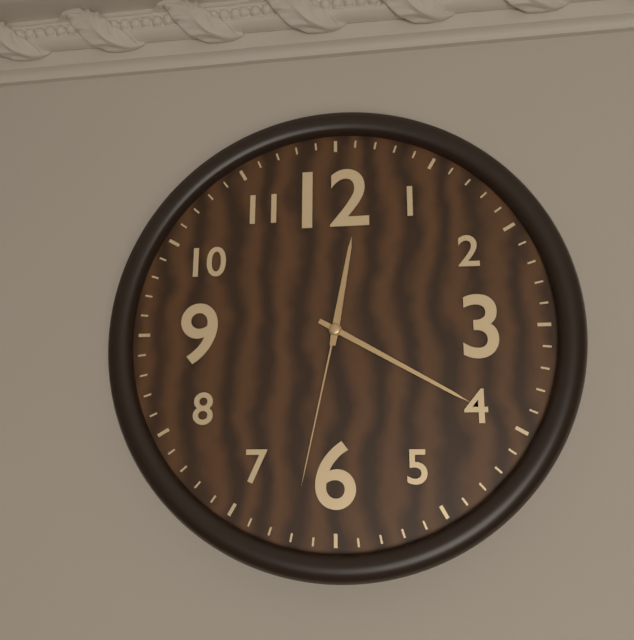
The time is 12h20m32s
